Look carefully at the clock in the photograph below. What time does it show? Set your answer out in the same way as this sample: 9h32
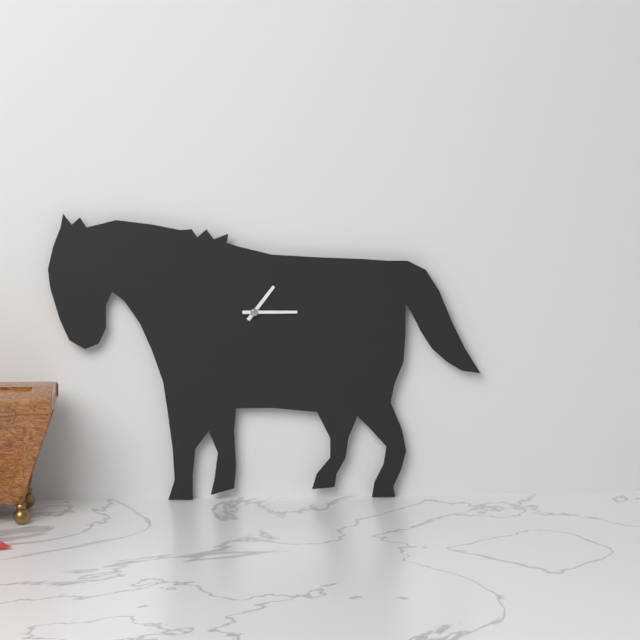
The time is 1h15
